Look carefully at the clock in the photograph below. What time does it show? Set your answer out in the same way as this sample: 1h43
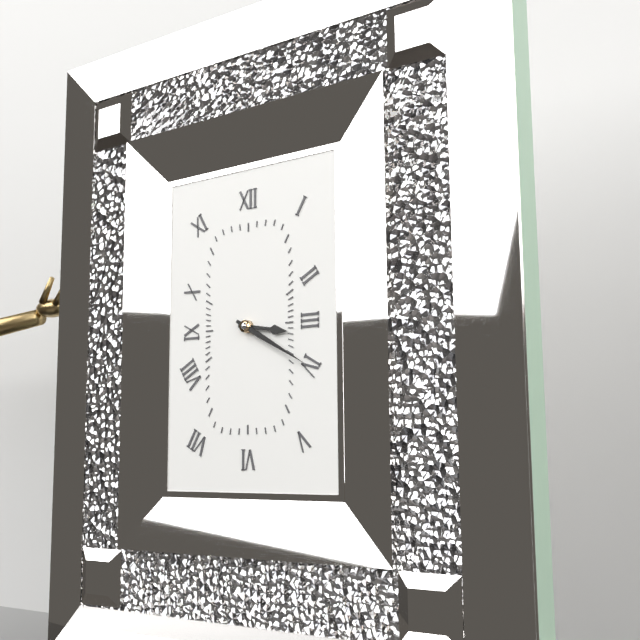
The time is 3h20
